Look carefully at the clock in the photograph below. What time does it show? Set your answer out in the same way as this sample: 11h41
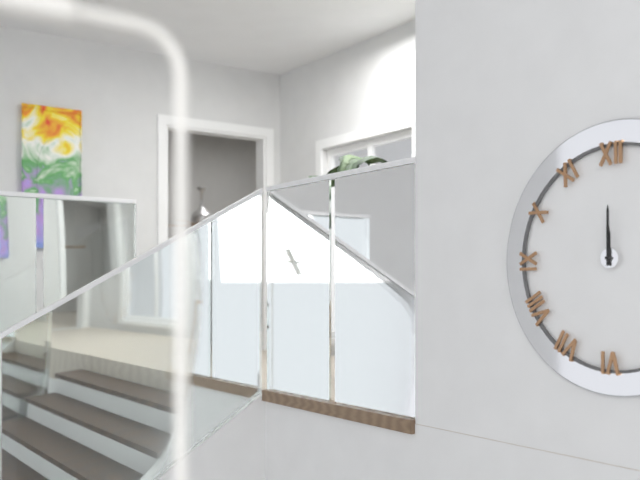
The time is 12h00
